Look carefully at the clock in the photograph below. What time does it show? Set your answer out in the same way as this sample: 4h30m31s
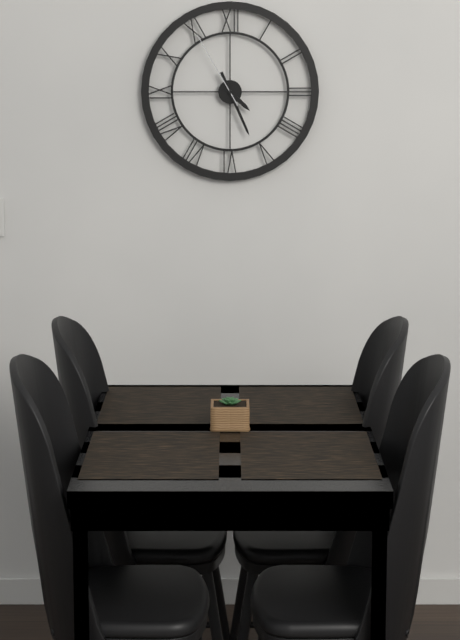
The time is 4h26m55s
